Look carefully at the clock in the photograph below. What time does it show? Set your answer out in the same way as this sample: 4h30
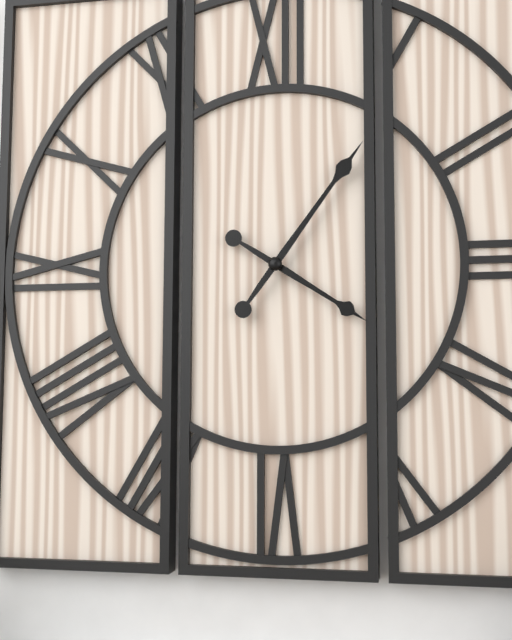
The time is 4h06
